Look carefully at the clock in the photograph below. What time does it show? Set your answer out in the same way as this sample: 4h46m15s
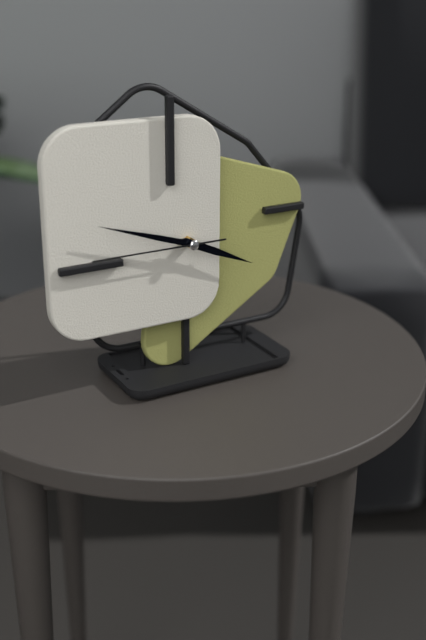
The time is 3h48m45s
